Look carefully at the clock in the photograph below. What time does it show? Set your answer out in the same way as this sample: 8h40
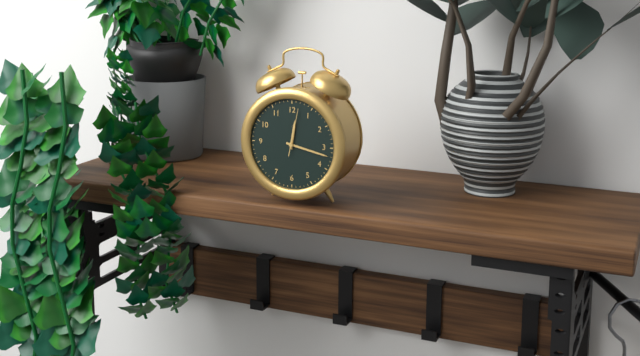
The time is 12h17
